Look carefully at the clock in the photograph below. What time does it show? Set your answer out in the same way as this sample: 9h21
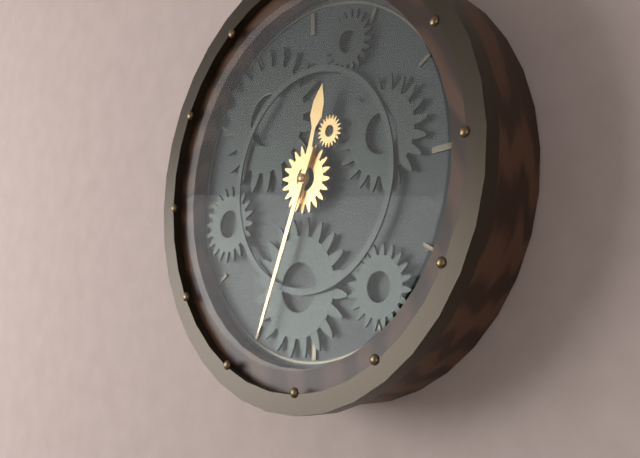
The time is 12h34
